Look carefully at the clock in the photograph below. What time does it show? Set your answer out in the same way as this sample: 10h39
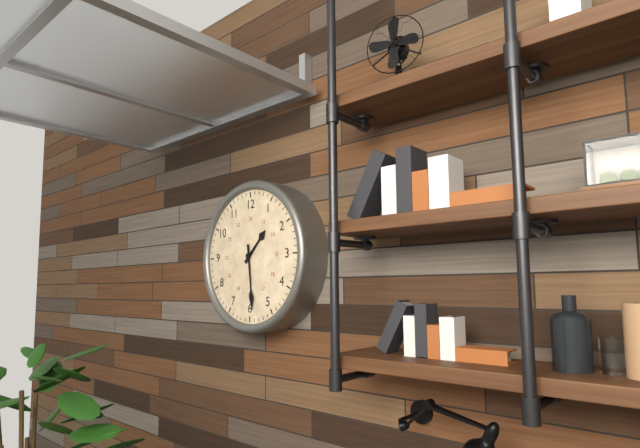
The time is 1h29
